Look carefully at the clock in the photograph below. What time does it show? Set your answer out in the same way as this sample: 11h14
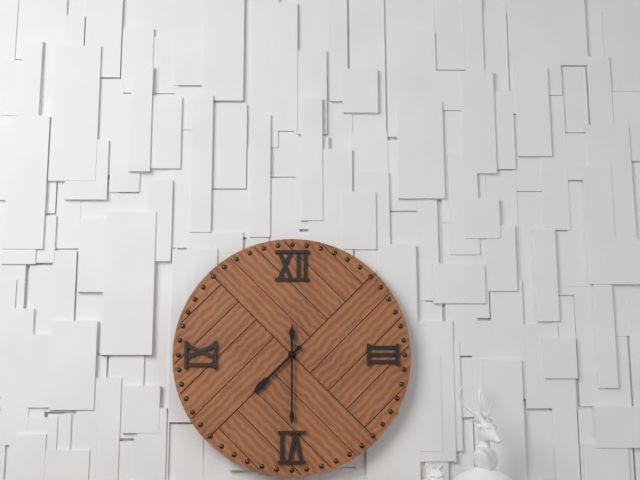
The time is 7h30
